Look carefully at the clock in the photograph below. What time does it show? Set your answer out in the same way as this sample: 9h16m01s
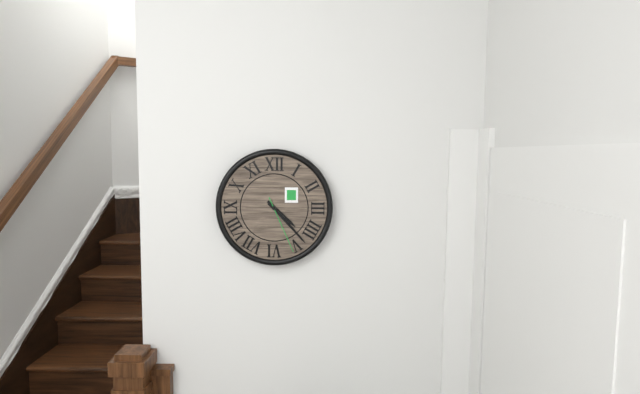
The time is 4h23m26s
